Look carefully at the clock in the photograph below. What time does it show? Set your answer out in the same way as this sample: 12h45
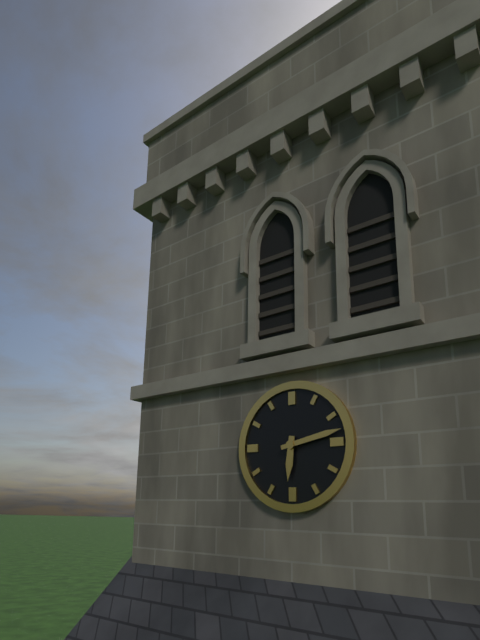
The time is 6h13
